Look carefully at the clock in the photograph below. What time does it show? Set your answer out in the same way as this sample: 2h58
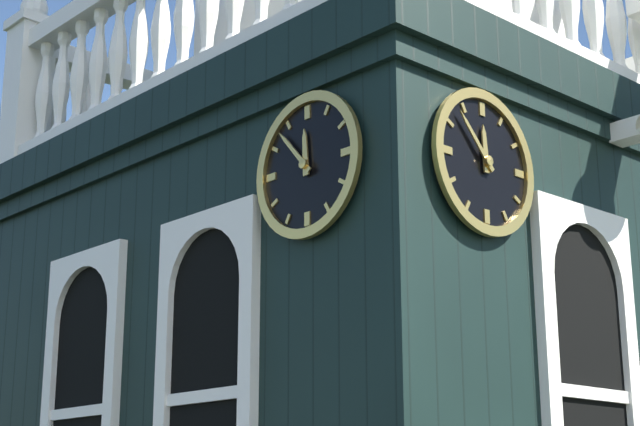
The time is 11h53
